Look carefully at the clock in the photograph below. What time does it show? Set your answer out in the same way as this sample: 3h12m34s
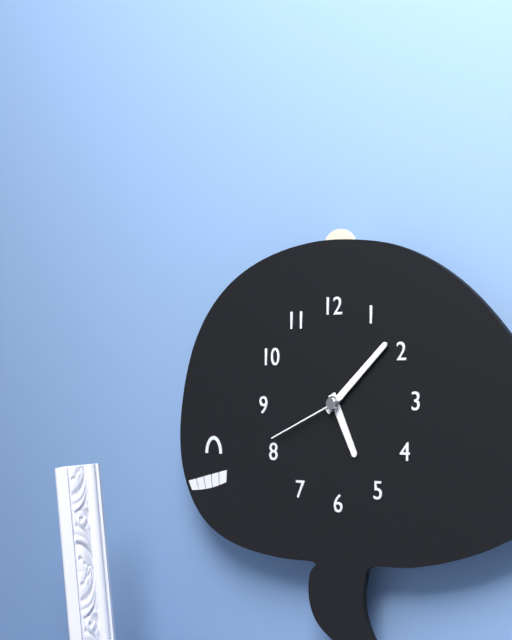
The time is 5h08m41s
